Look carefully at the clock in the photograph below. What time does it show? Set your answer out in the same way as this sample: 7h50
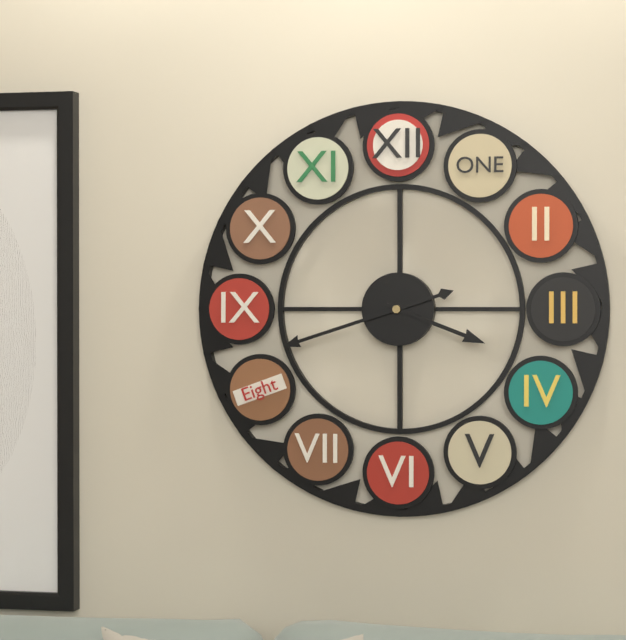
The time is 3h42
